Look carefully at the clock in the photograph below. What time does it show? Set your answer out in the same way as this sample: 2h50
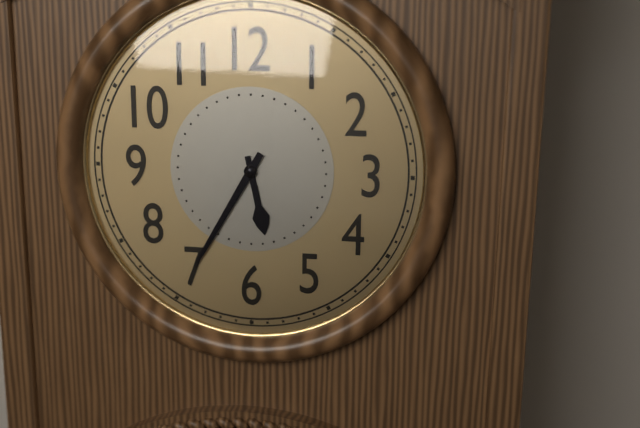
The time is 5h35
